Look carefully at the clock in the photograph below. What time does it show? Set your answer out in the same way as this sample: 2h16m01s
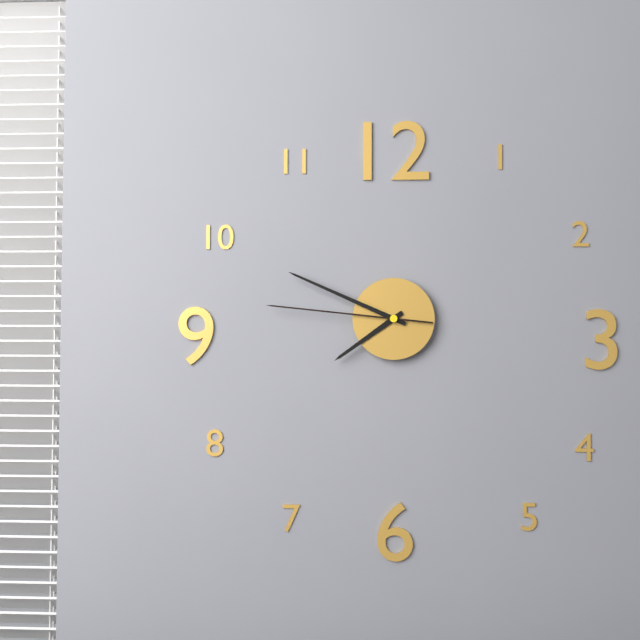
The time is 7h49m46s
